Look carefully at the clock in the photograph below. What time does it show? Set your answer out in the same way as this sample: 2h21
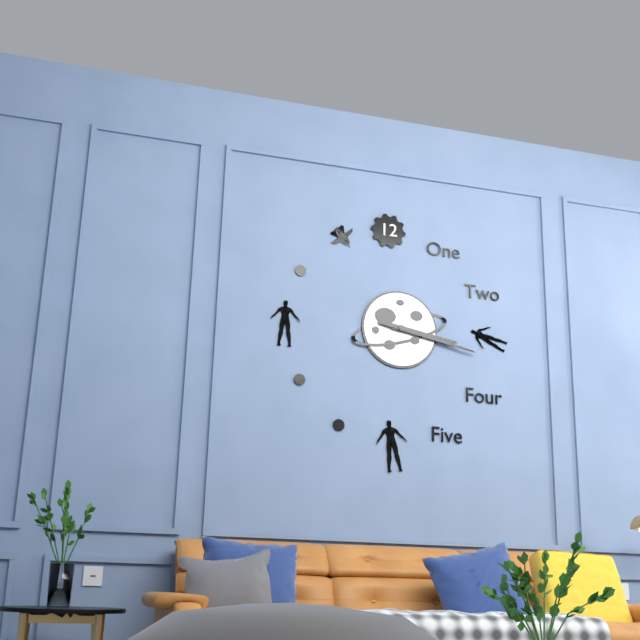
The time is 3h17
